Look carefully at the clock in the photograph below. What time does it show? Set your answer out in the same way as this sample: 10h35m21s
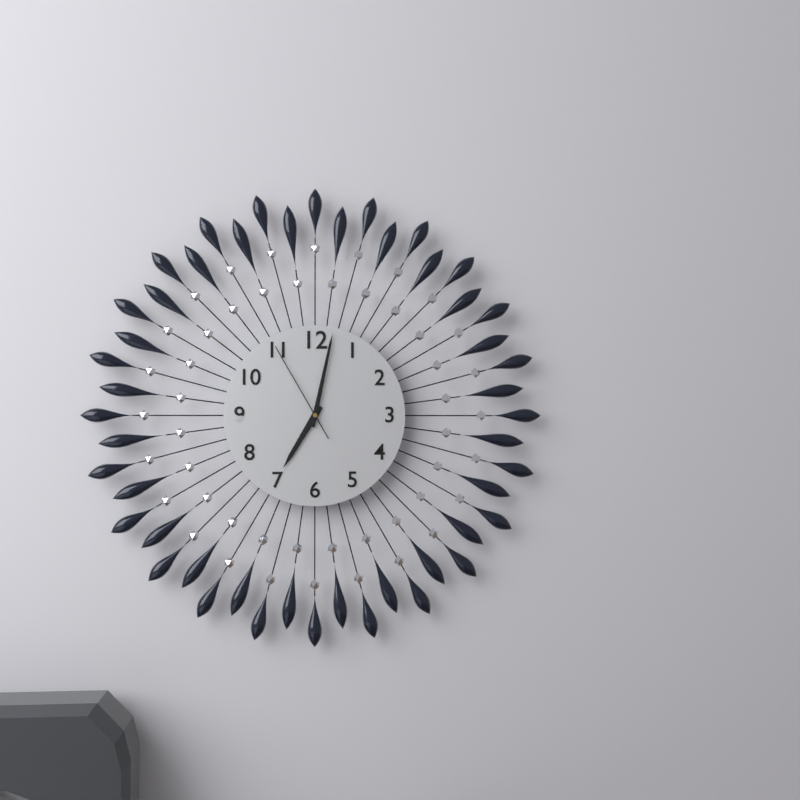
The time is 7h02m55s
